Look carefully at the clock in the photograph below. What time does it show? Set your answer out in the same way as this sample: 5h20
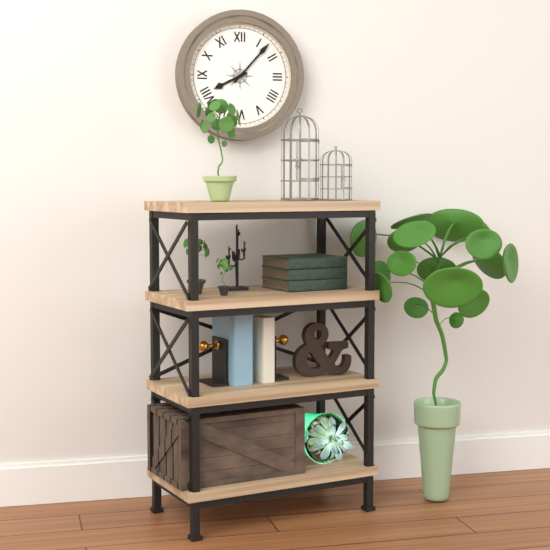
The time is 8h07
